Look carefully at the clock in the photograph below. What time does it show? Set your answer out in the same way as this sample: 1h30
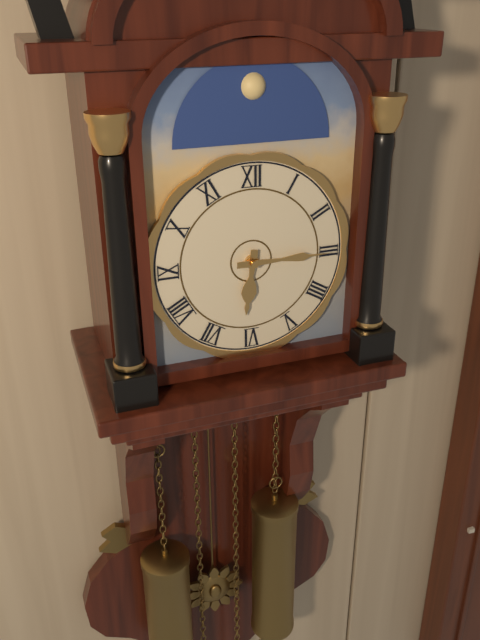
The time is 6h15
